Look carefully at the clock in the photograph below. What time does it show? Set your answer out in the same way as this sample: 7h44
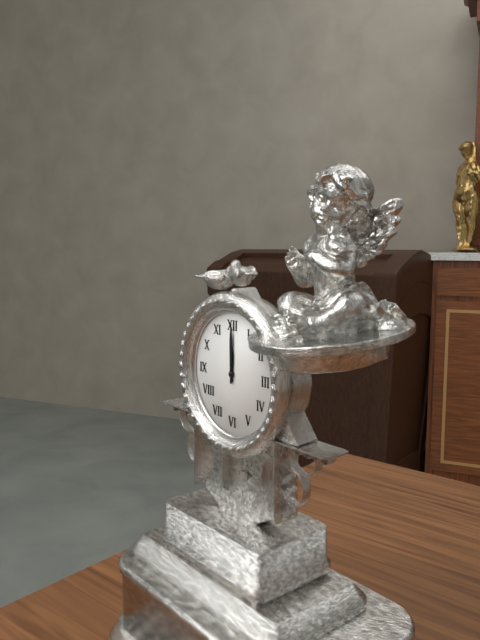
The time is 12h00
